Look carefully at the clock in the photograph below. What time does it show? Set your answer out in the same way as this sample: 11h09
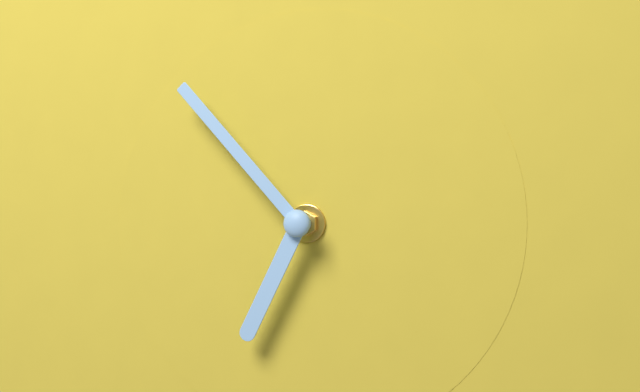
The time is 6h53
